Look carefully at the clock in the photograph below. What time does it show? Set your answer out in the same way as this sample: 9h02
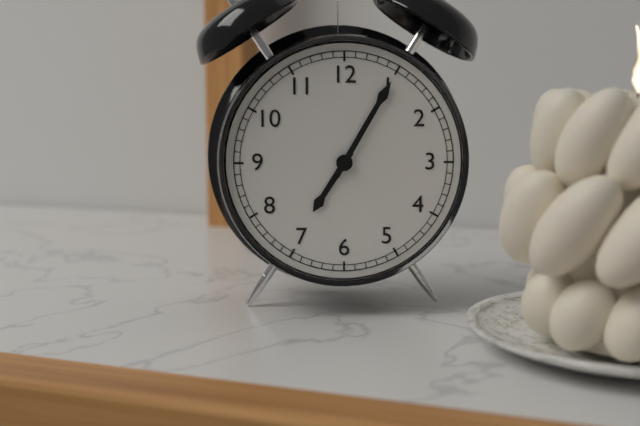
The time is 7h05
